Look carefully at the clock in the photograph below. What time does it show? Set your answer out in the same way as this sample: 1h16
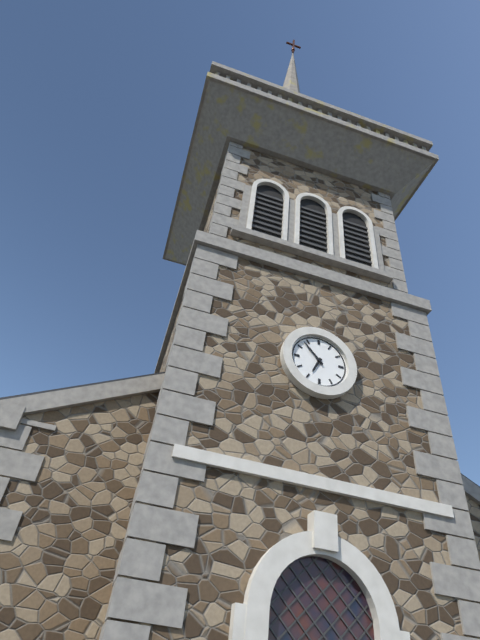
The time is 6h53
